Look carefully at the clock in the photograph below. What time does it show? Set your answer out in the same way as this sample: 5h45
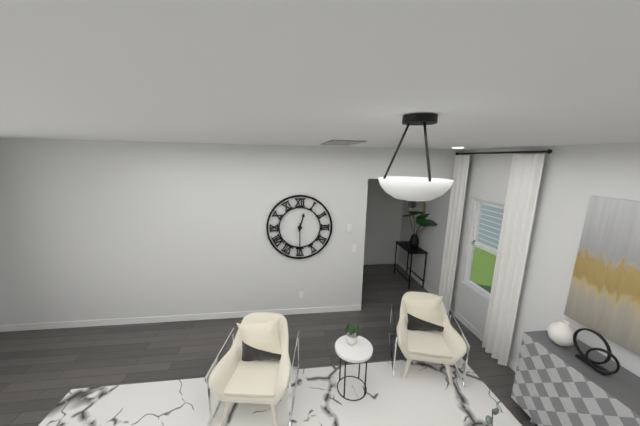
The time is 12h30
